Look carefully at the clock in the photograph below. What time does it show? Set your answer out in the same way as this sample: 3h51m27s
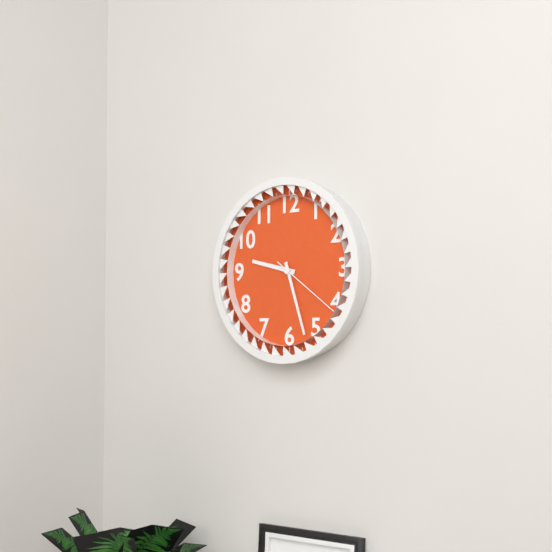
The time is 9h27m21s
